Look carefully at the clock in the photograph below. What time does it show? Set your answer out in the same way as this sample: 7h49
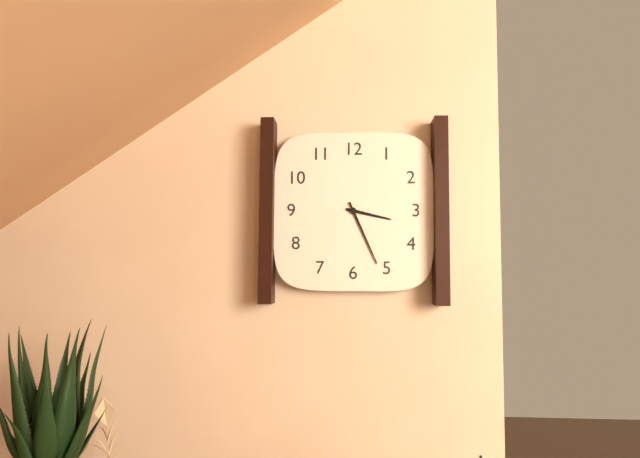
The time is 3h26
